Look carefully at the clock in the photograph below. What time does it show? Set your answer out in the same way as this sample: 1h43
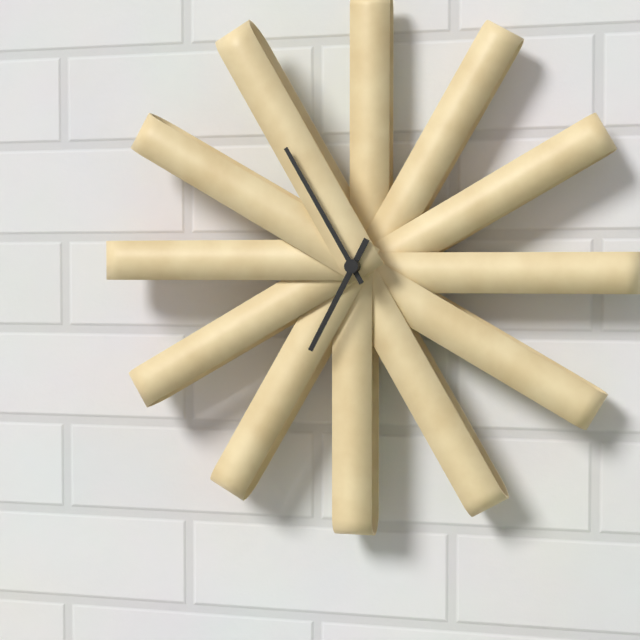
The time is 6h55
